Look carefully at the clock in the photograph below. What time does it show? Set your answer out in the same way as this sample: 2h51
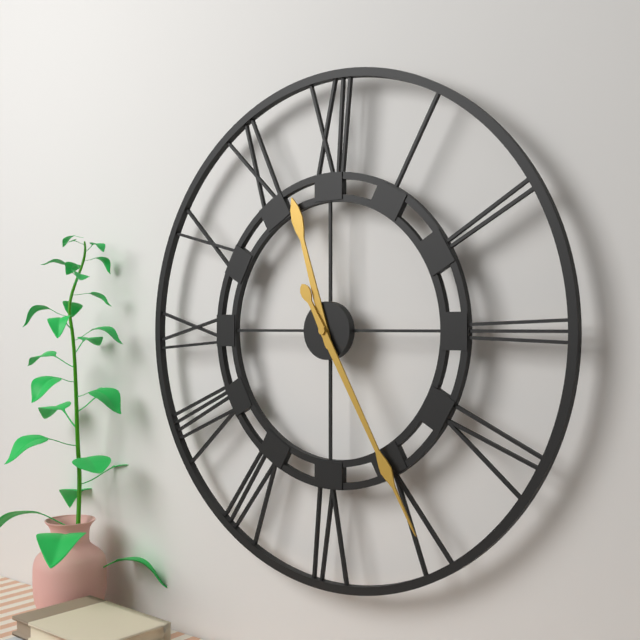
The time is 11h25
